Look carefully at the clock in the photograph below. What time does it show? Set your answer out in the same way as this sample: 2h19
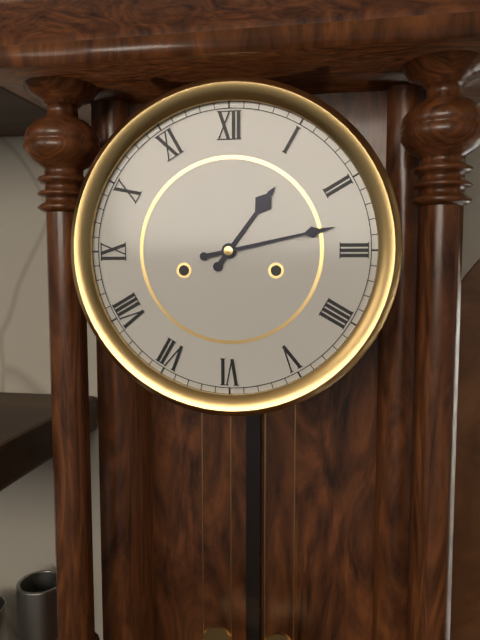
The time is 1h13
